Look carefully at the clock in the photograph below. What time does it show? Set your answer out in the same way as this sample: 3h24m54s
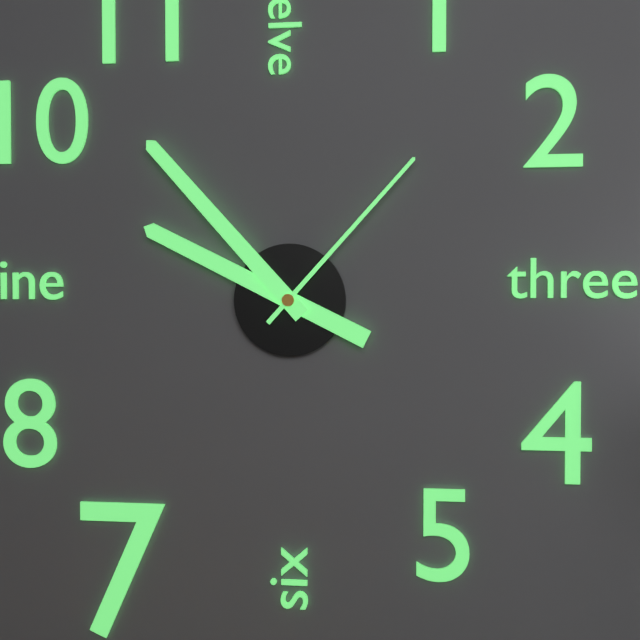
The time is 9h53m07s
